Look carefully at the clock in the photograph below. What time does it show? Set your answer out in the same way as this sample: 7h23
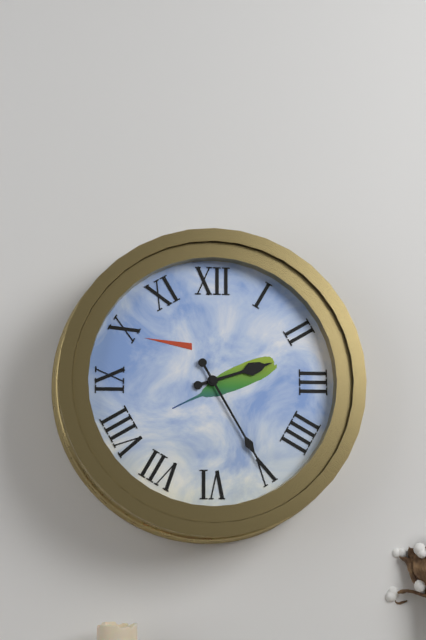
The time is 2h25
